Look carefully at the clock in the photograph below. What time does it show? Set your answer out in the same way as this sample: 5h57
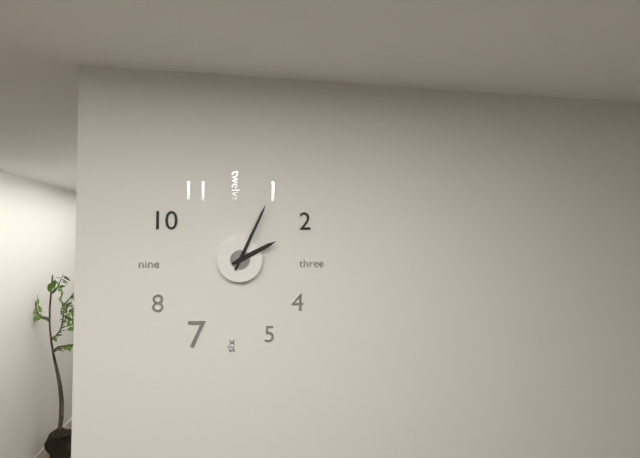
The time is 2h04
